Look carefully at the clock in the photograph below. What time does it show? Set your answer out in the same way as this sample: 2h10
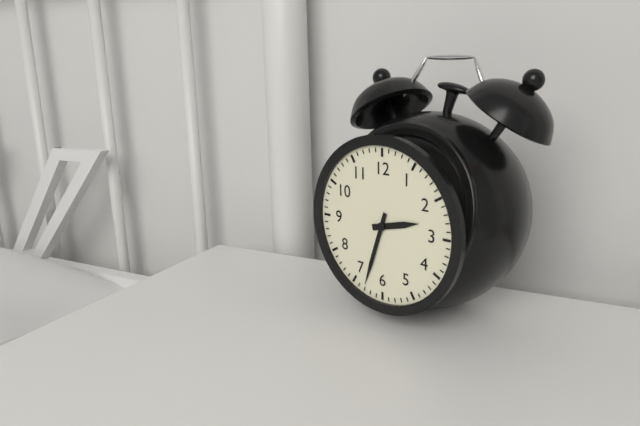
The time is 2h33
